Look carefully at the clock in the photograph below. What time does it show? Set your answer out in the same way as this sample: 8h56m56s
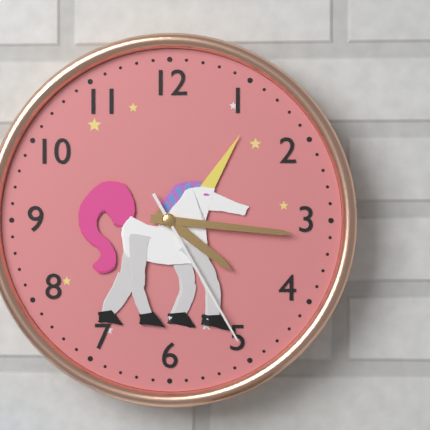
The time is 4h16m25s
